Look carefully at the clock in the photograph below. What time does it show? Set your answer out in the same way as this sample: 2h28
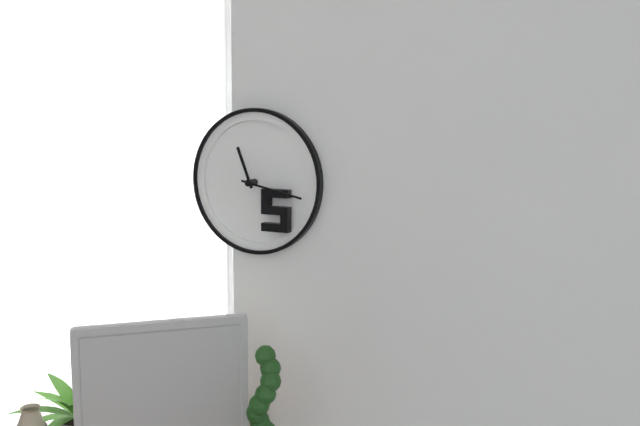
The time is 11h17
